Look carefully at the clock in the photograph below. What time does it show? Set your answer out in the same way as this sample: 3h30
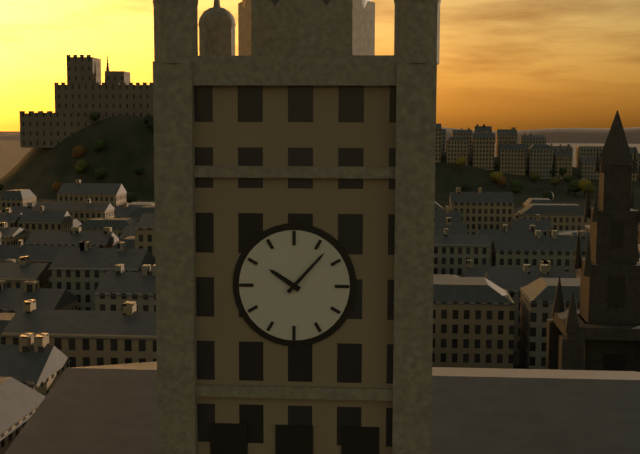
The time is 10h07
